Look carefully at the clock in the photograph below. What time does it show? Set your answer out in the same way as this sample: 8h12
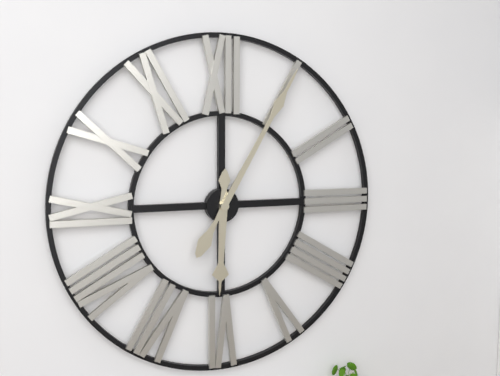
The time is 6h05
